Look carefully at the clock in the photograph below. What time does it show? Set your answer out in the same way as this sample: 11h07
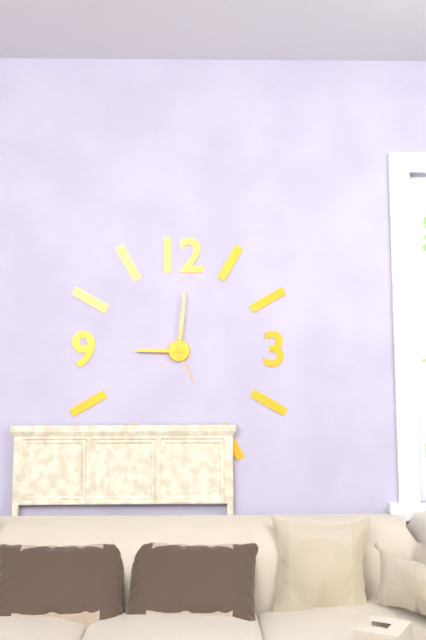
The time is 9h01
